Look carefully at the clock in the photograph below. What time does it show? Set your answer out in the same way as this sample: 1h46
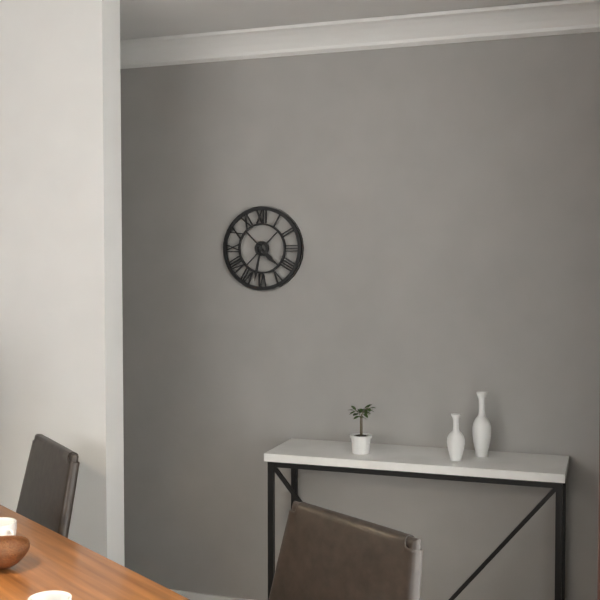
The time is 4h32
